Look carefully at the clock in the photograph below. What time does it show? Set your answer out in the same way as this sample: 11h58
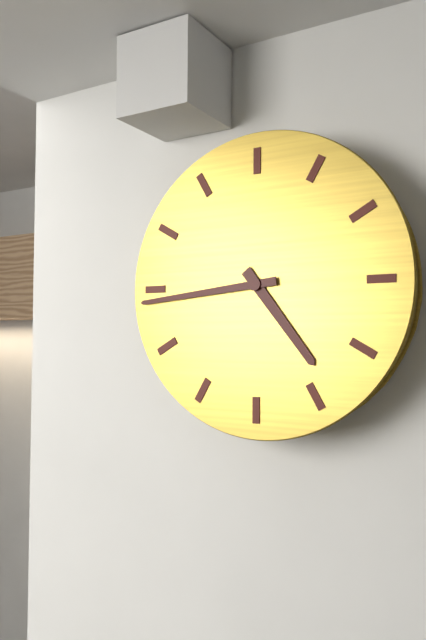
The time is 4h44
